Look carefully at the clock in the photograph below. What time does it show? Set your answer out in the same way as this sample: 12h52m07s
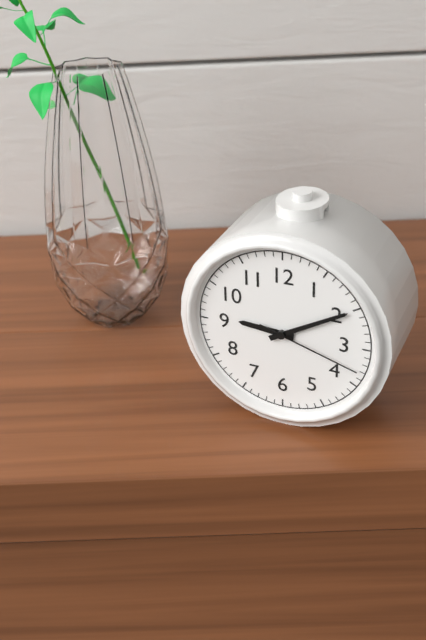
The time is 9h10m18s
